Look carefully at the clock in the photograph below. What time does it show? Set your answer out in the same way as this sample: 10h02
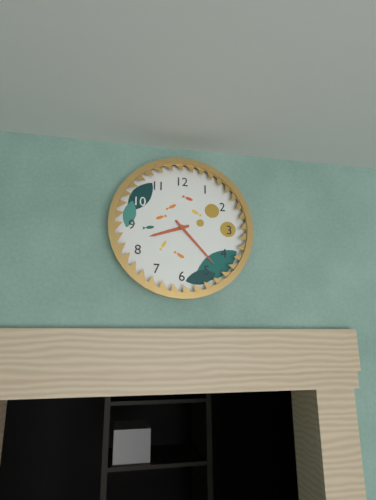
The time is 8h23
